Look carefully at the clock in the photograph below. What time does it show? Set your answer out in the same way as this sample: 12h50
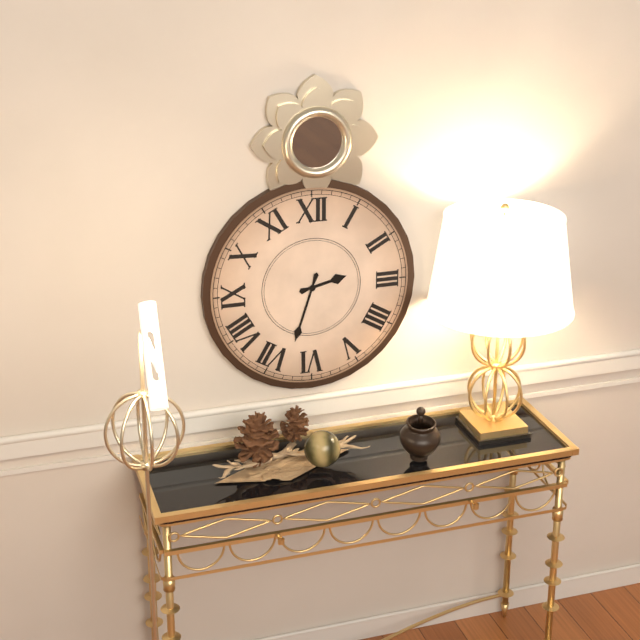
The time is 2h33
